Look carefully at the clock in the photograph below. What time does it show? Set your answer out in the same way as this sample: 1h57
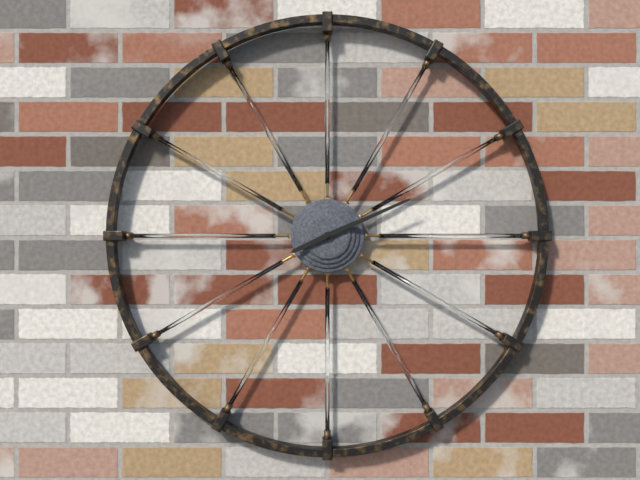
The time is 8h11
